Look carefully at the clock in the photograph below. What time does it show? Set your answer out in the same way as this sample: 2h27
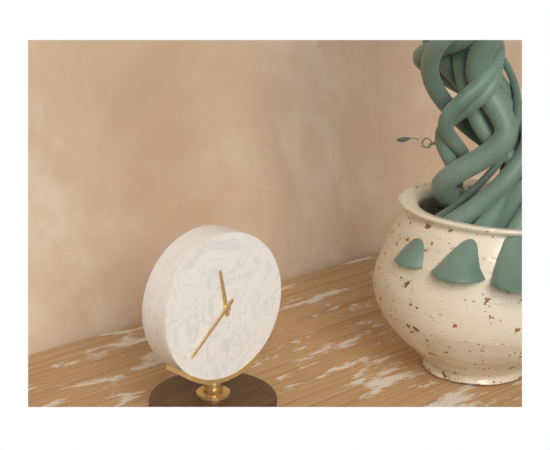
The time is 11h38
